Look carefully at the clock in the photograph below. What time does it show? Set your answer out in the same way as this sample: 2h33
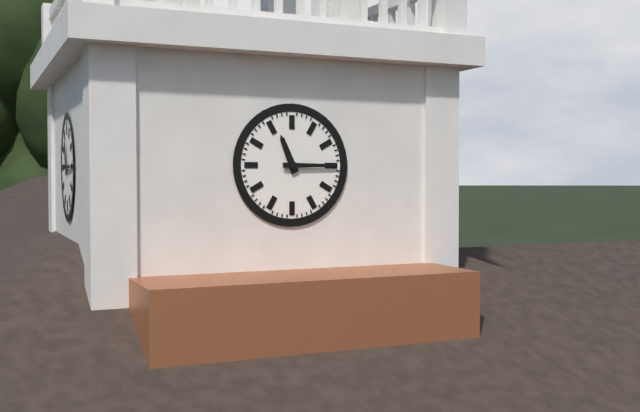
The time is 11h15
